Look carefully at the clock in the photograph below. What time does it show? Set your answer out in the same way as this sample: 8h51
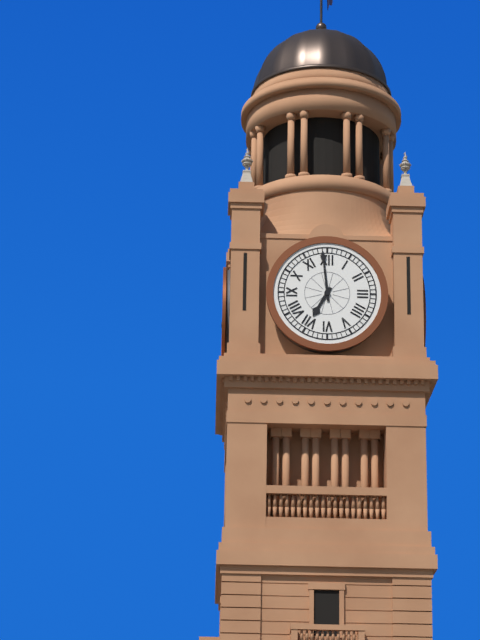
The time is 6h59
